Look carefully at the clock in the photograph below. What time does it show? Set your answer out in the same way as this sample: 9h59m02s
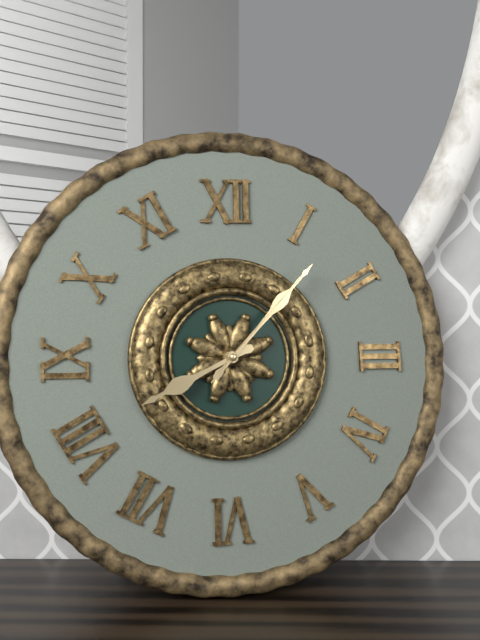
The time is 8h07m07s
